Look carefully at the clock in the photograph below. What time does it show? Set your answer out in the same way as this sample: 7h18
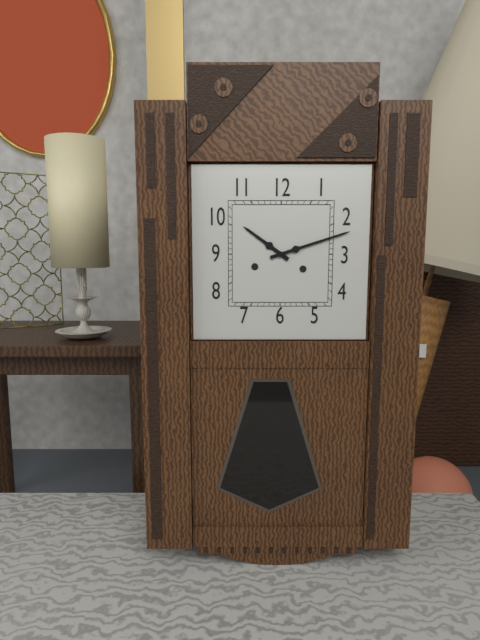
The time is 10h12
